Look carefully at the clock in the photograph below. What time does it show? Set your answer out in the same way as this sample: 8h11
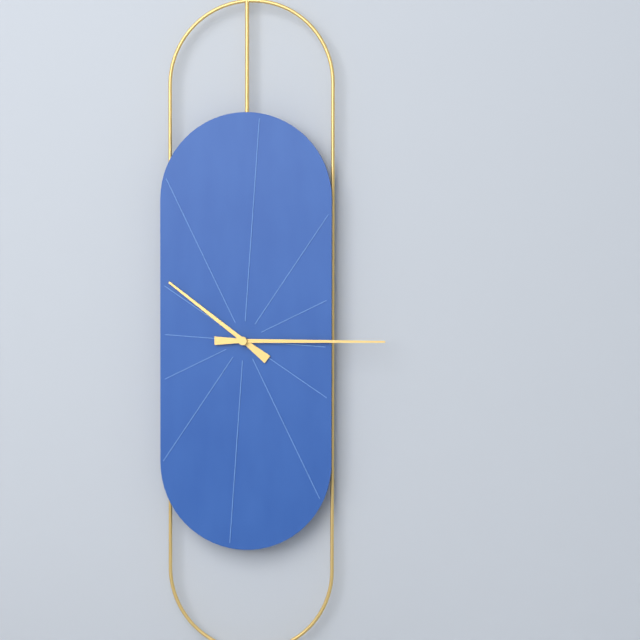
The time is 10h15
